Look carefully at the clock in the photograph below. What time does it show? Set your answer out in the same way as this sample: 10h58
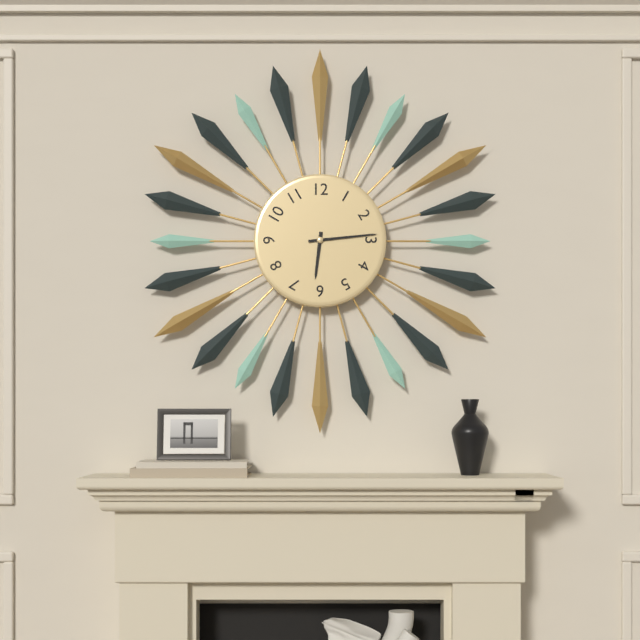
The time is 6h14
